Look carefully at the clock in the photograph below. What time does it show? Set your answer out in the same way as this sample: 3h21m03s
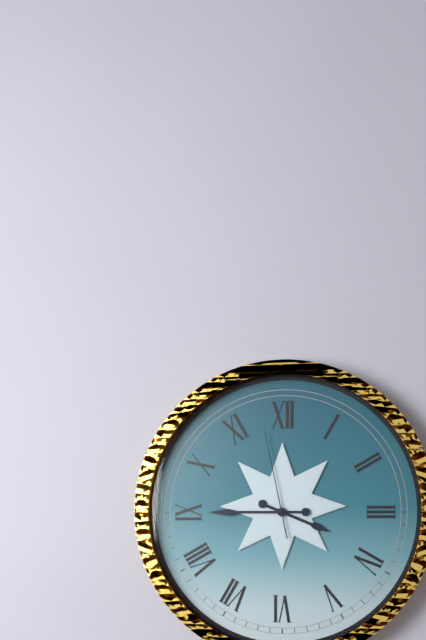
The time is 3h45m58s
